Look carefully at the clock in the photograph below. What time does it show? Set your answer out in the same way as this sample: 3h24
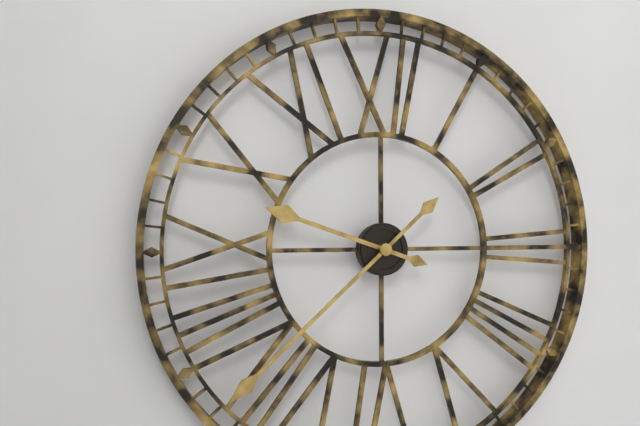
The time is 9h38
